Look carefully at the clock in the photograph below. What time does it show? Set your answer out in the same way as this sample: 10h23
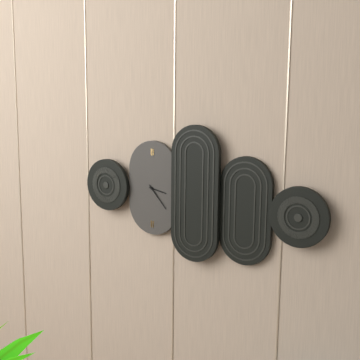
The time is 3h23
